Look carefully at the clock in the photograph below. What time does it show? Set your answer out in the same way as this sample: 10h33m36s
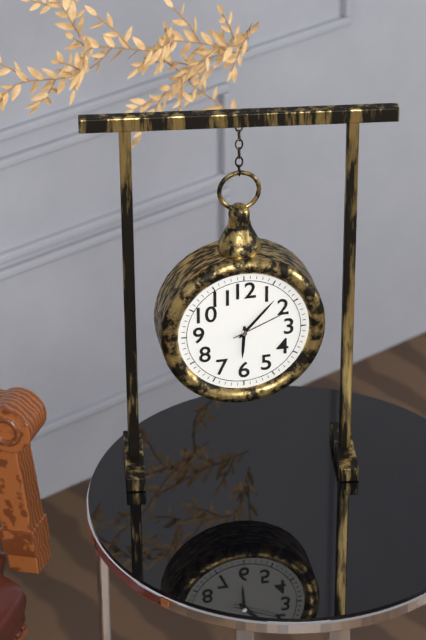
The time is 6h07m11s
